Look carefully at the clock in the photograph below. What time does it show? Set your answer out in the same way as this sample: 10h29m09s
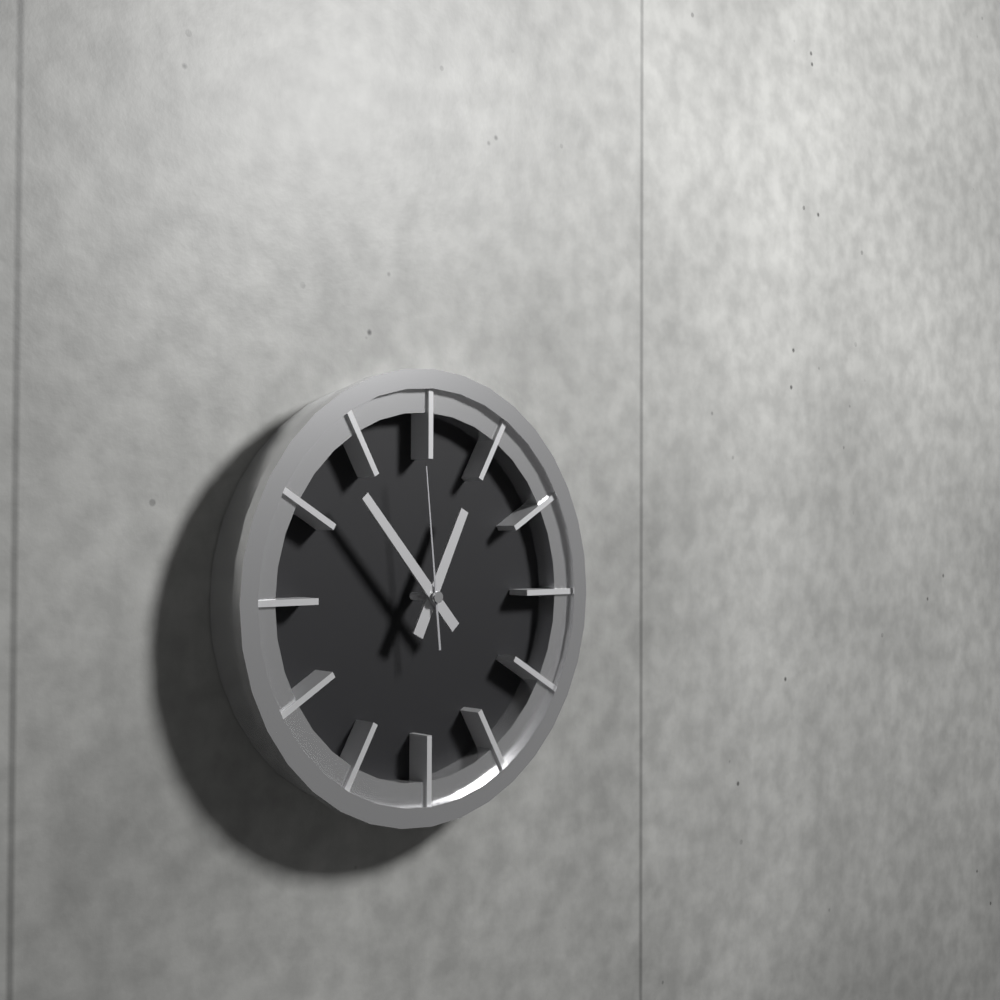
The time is 12h53m59s
